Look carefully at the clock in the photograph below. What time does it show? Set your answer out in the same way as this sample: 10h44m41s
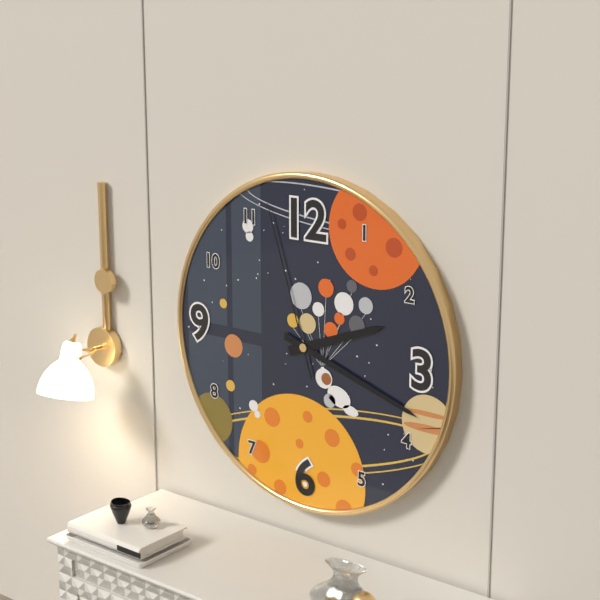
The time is 2h18m57s
